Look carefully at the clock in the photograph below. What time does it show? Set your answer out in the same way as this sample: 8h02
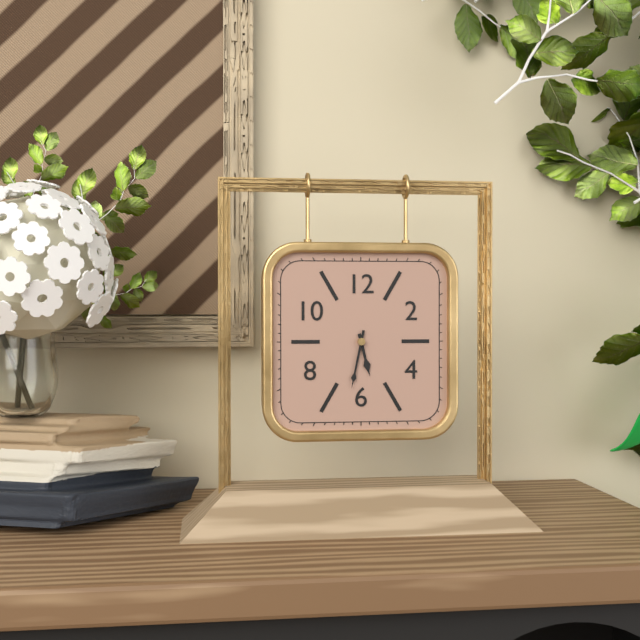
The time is 5h32
